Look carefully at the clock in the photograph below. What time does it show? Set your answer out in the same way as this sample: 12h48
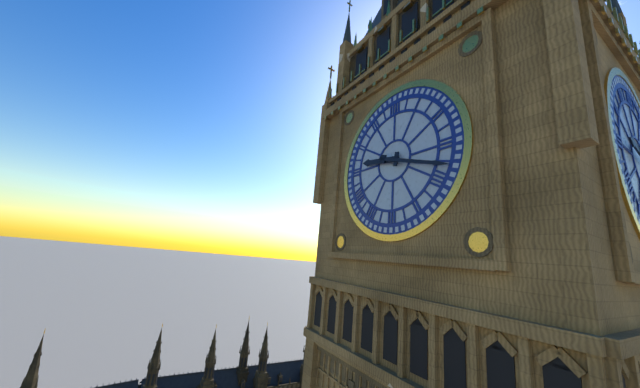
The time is 9h18
